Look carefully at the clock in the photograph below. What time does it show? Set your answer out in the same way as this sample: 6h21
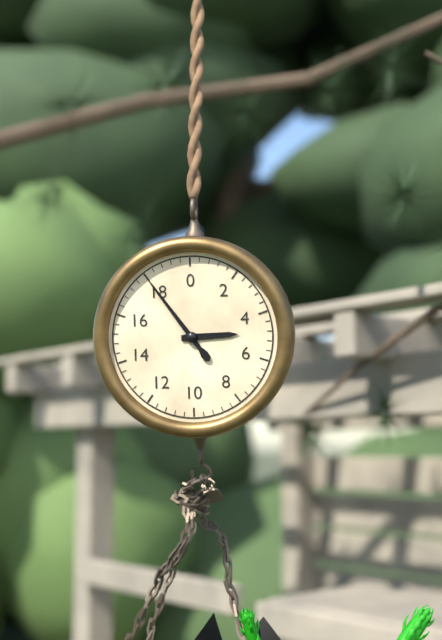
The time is 2h54
